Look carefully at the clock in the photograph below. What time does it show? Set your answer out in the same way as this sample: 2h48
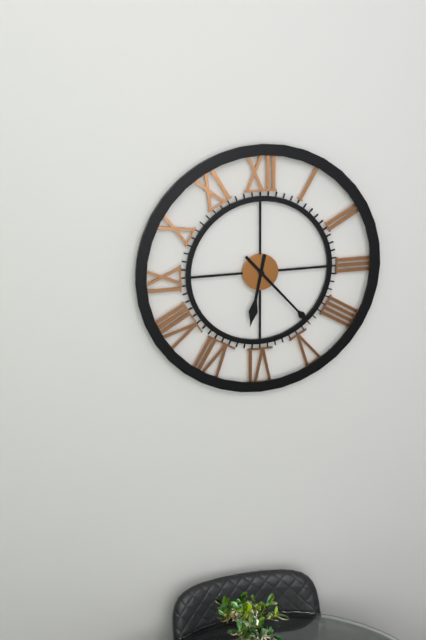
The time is 6h23
